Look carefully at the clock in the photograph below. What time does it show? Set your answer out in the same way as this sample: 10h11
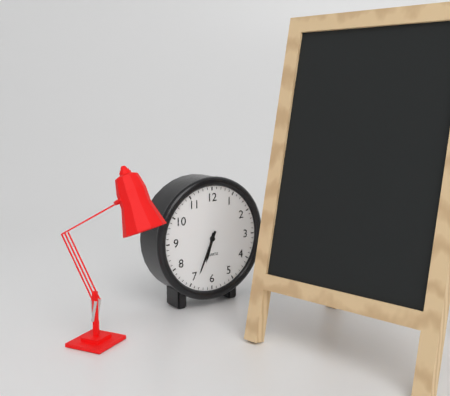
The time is 6h34
